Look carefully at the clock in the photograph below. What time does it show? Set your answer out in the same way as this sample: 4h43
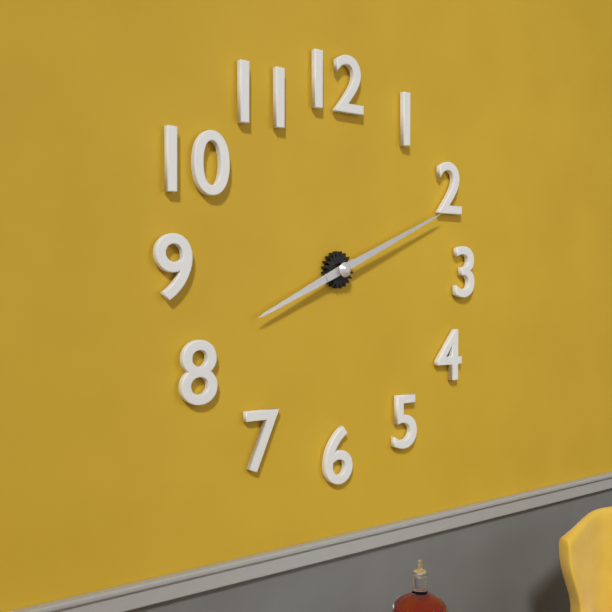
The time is 8h11
